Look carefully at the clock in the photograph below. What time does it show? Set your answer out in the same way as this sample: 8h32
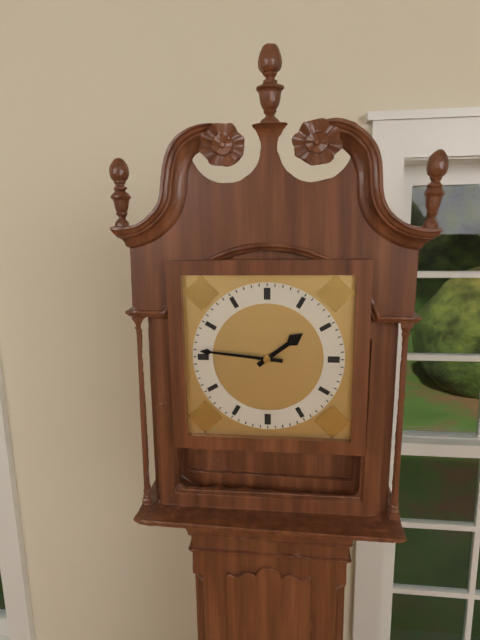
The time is 1h46
